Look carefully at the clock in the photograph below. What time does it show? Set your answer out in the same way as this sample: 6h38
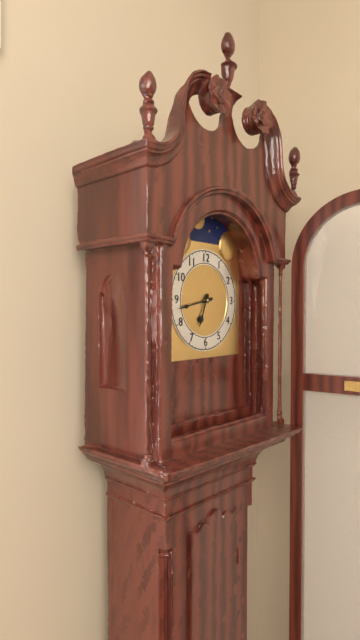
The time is 6h43
